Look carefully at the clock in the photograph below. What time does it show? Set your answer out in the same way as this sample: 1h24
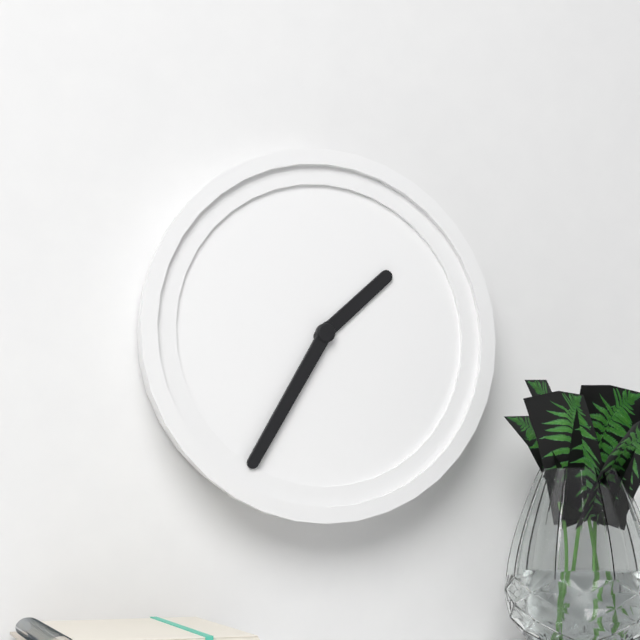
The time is 1h35
